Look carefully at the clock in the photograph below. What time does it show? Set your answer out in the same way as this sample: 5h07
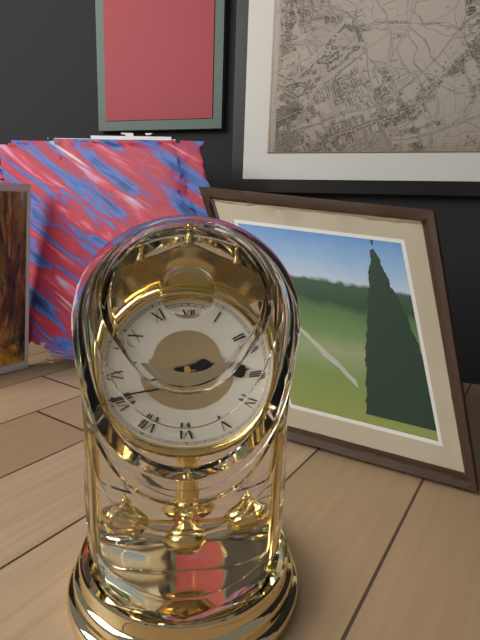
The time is 2h41
